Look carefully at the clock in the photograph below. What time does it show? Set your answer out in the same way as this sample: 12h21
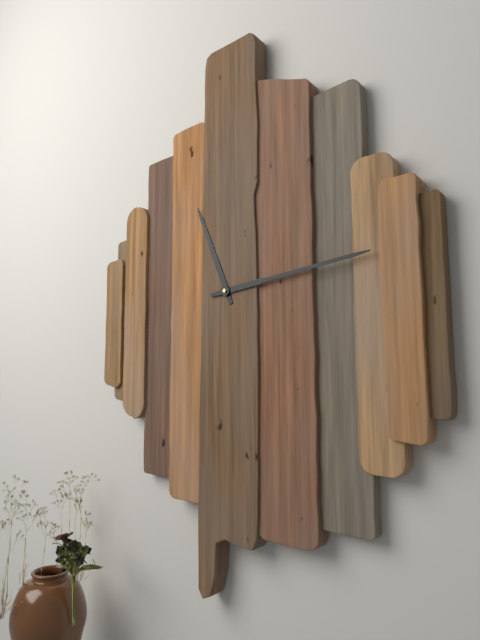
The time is 11h14
